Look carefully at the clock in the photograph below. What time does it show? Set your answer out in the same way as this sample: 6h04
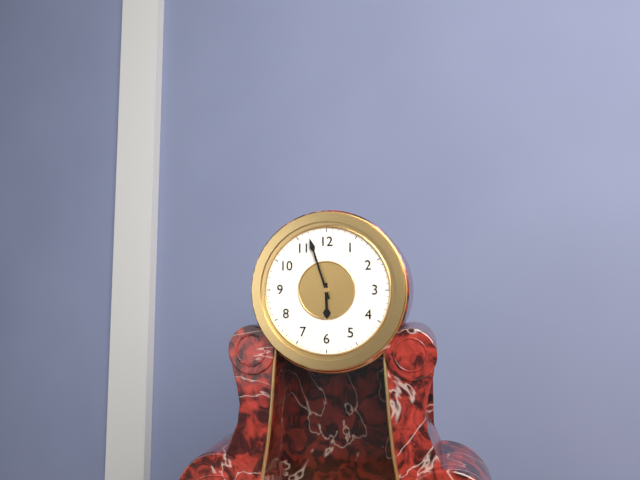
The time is 5h57
